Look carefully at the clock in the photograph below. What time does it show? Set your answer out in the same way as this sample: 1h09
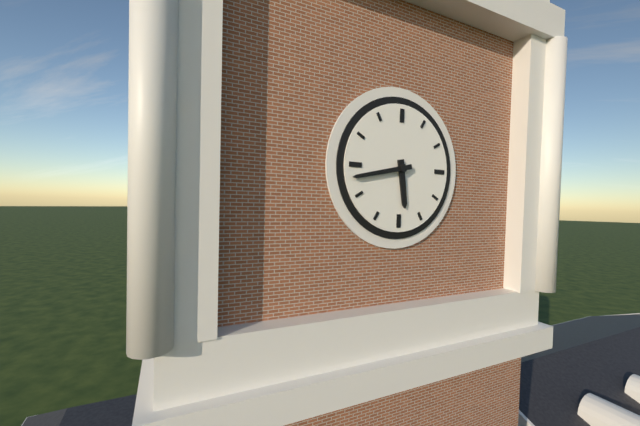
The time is 5h43
